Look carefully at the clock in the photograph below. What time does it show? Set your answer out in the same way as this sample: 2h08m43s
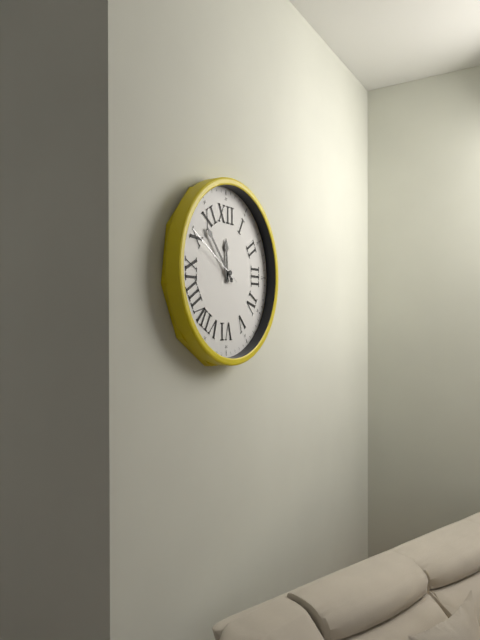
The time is 11h53m50s
